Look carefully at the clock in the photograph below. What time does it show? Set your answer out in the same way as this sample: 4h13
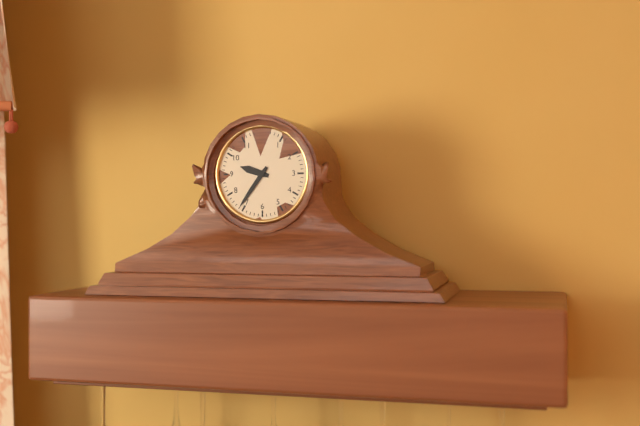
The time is 9h36
